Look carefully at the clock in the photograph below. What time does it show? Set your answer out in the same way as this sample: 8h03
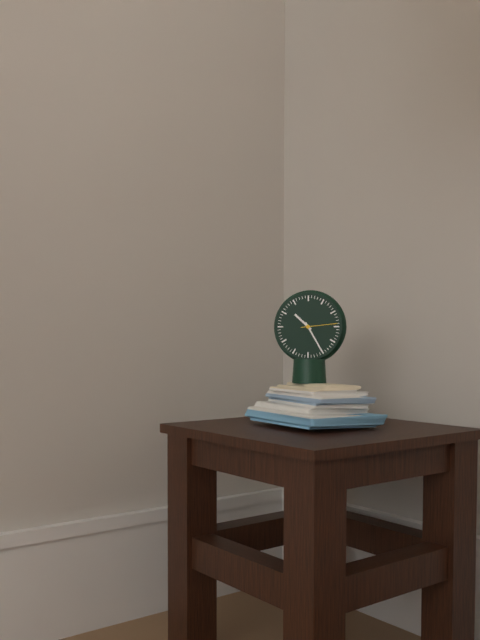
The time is 10h25
